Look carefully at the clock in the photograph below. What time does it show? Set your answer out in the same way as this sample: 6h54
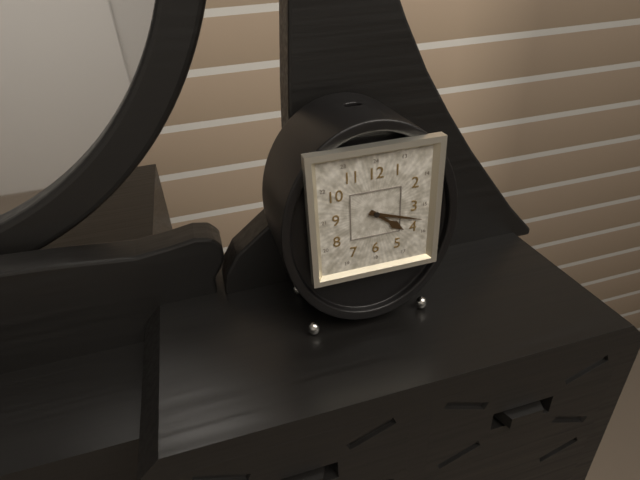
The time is 4h18
